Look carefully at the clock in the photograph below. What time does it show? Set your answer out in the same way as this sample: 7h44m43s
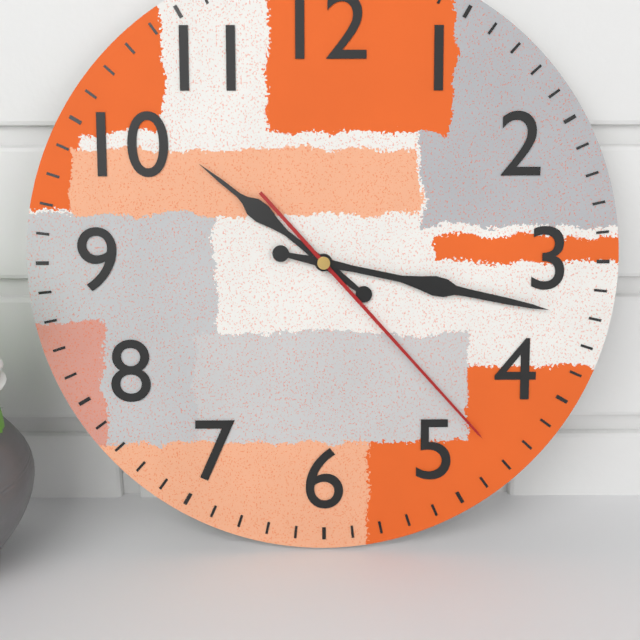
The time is 10h17m23s
